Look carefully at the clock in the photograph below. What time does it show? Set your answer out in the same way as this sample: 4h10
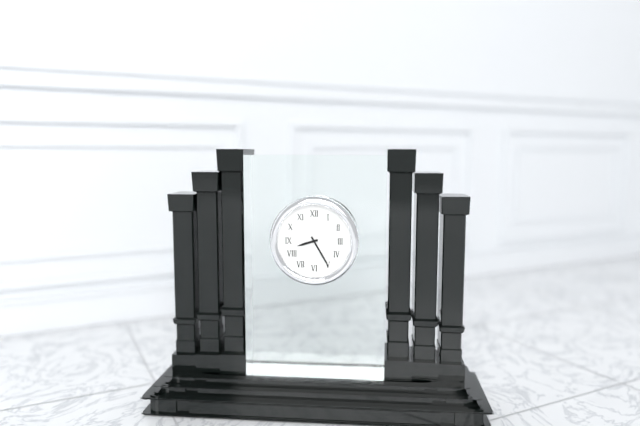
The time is 8h25
